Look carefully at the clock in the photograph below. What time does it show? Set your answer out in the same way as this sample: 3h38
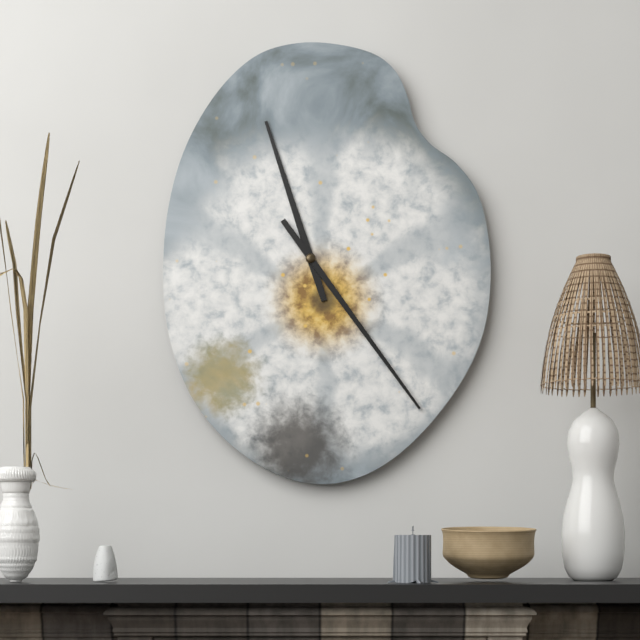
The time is 11h24
